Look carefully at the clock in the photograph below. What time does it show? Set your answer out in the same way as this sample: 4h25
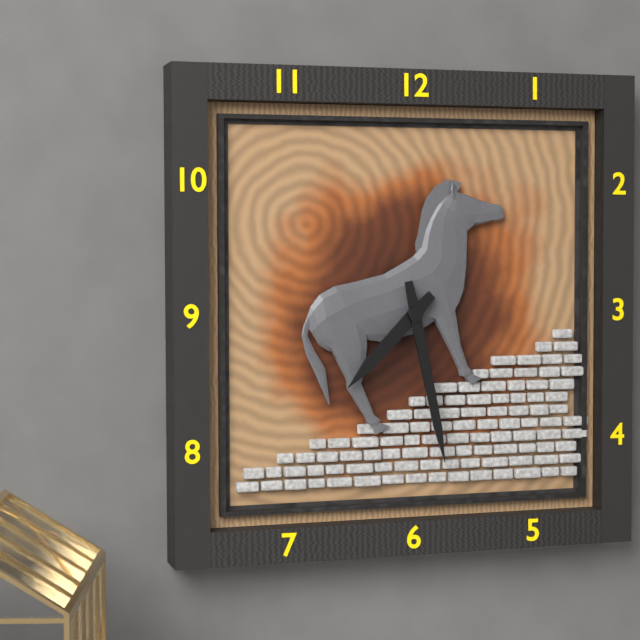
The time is 7h28
